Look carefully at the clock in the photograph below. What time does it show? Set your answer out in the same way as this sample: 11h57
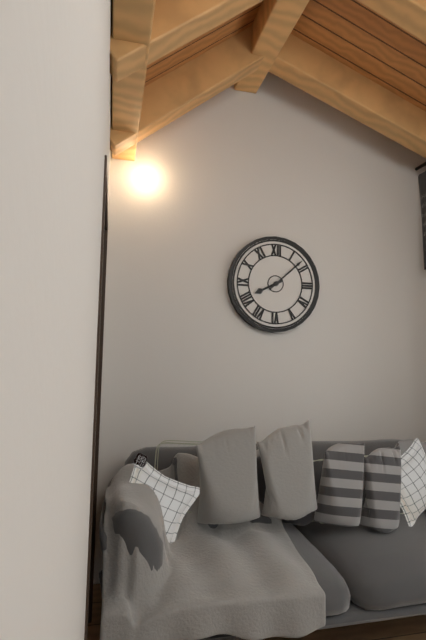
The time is 8h08
